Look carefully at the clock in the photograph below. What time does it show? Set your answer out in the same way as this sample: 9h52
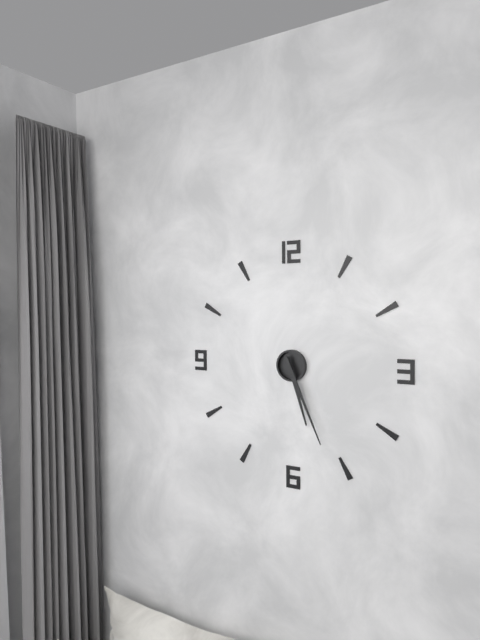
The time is 5h26
